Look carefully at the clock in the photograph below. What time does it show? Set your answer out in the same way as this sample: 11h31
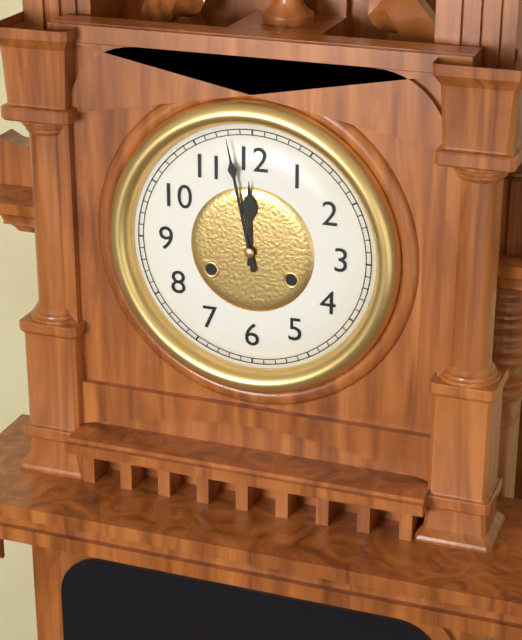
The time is 11h58
